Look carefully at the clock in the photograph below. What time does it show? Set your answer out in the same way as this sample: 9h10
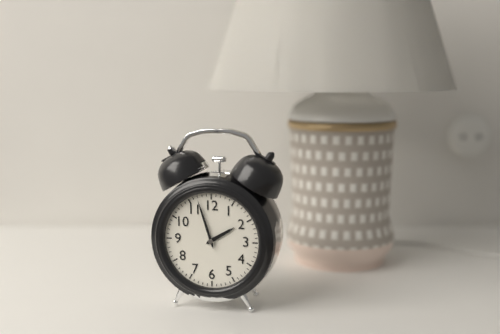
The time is 1h57
